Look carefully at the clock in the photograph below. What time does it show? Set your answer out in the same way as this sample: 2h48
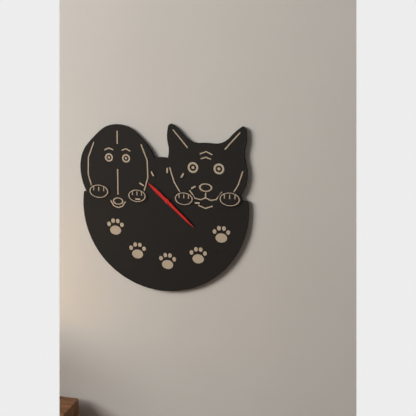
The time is 10h22
